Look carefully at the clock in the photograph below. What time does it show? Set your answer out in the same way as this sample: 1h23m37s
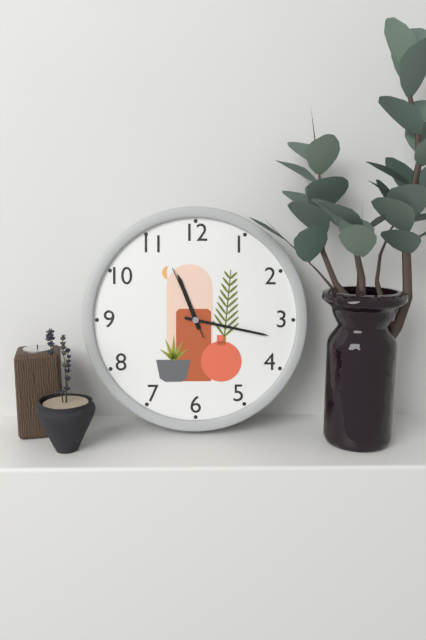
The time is 11h17m56s
